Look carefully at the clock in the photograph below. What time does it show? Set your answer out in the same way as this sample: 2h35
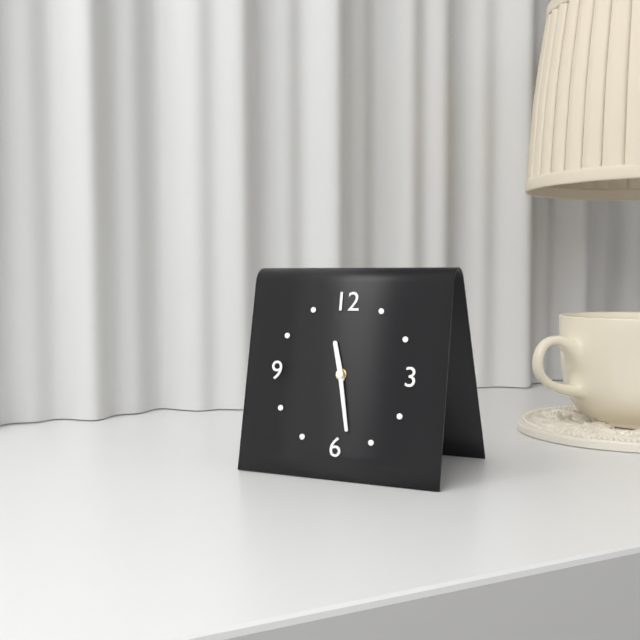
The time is 11h28
